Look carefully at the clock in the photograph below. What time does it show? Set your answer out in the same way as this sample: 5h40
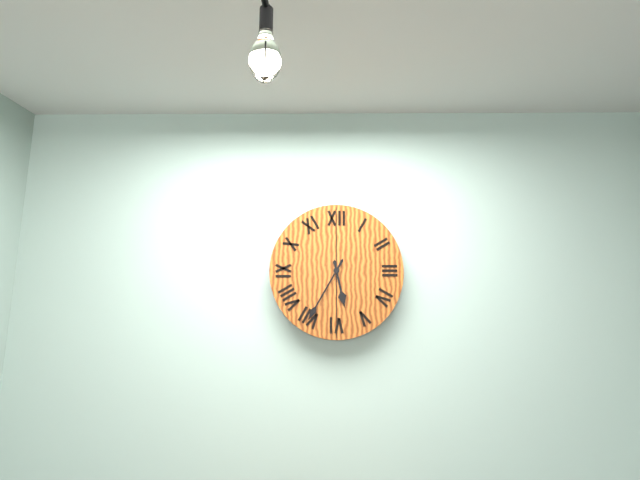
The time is 5h35
